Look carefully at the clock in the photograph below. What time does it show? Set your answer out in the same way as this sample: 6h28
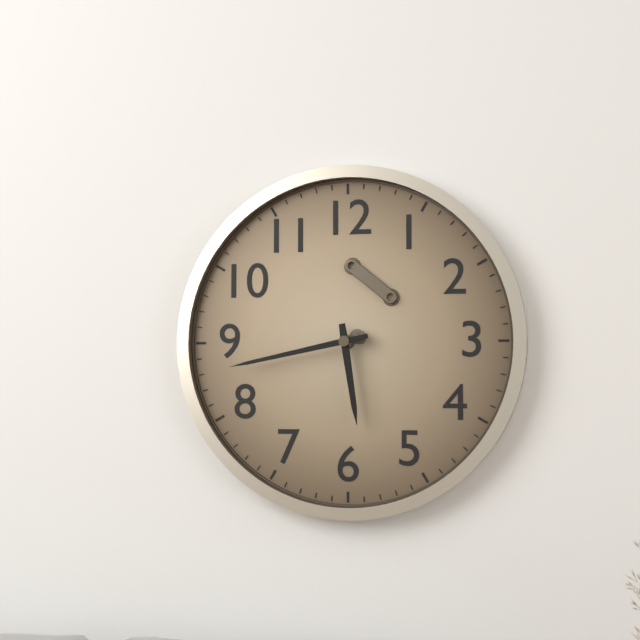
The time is 5h43
